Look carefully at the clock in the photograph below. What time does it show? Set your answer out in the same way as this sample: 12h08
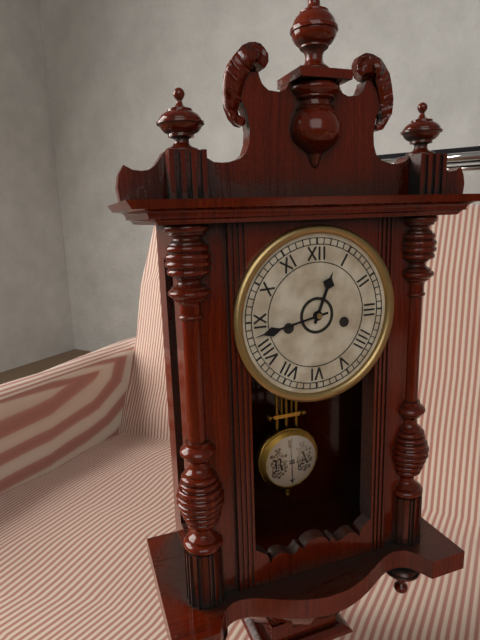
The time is 12h43
